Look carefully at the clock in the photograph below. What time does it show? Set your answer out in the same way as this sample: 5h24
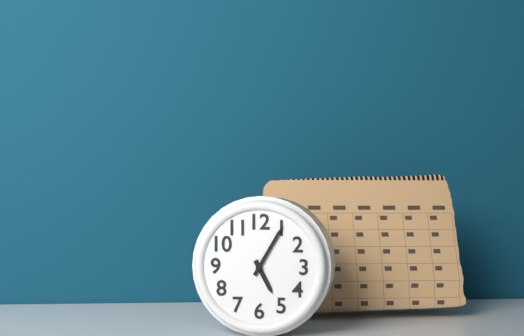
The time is 5h05
